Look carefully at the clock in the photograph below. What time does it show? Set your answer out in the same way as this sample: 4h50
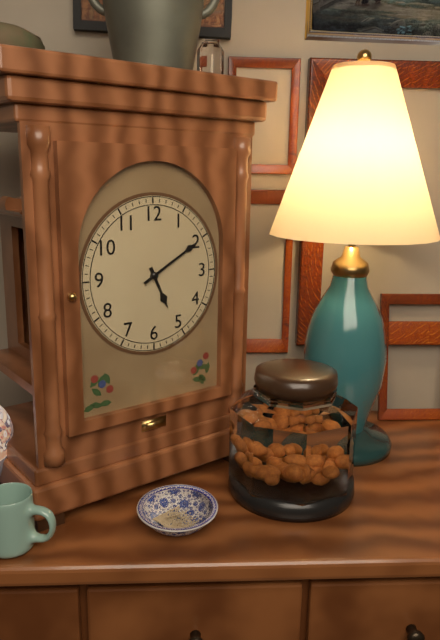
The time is 5h10
